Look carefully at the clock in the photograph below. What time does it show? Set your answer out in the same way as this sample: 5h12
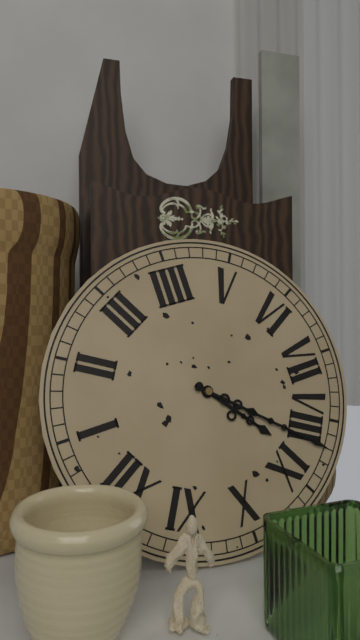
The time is 8h42
